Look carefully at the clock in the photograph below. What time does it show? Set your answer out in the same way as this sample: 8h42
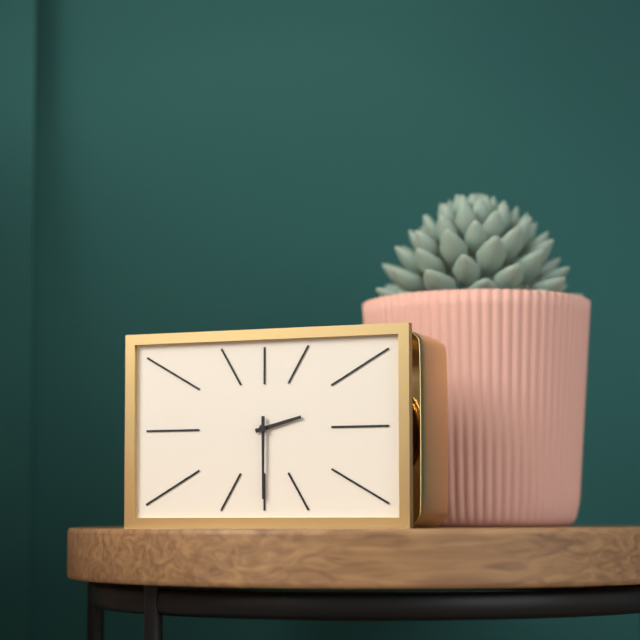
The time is 2h30
